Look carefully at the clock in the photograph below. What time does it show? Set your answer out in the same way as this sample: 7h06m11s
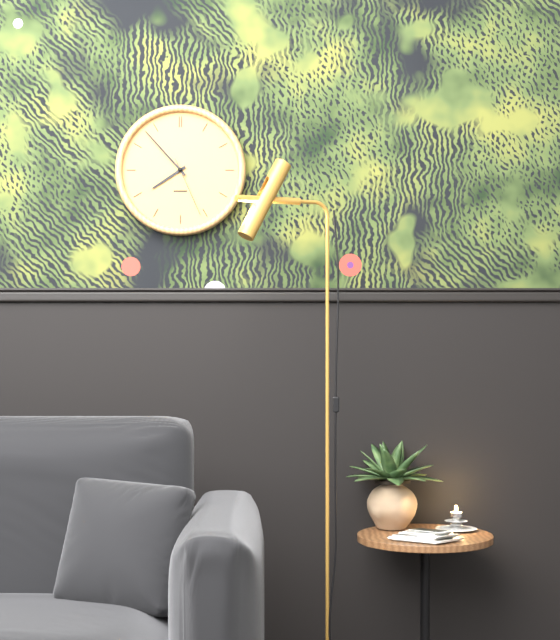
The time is 7h53m26s
